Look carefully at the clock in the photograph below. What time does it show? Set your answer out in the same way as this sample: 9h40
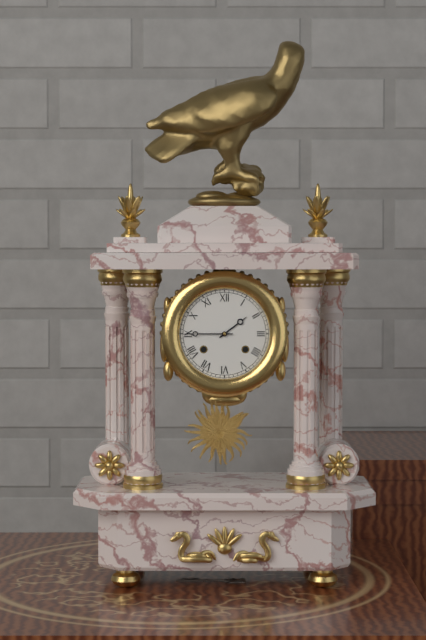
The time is 1h45
